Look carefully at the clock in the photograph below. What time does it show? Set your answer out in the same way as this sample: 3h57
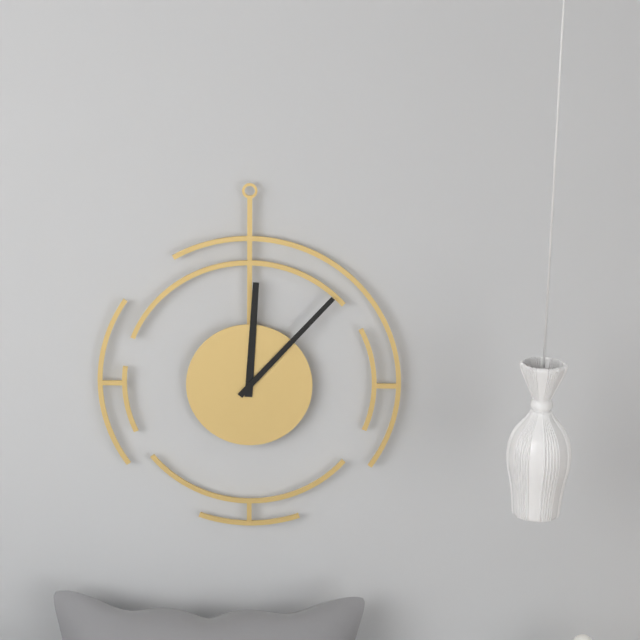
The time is 12h07
